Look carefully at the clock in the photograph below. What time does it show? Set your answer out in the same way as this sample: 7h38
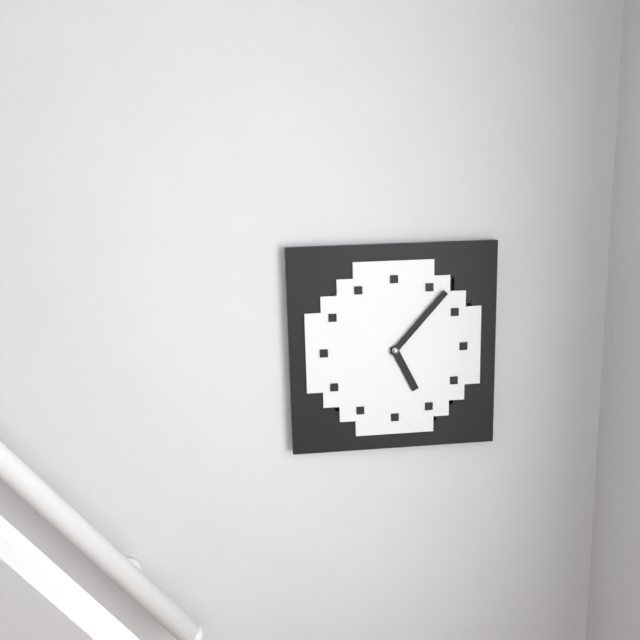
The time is 5h07
